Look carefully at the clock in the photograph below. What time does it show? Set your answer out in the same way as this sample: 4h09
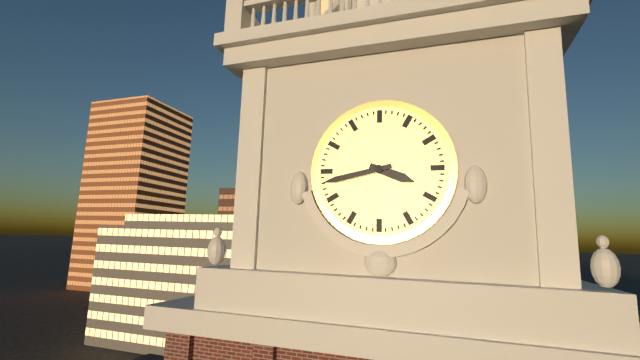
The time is 3h43
